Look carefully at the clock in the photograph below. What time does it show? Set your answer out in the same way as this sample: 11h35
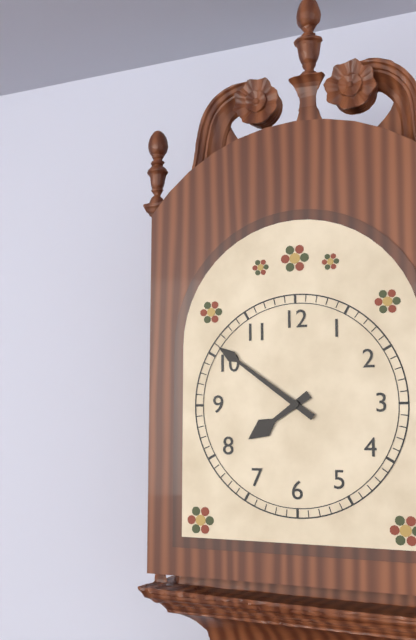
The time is 7h51
